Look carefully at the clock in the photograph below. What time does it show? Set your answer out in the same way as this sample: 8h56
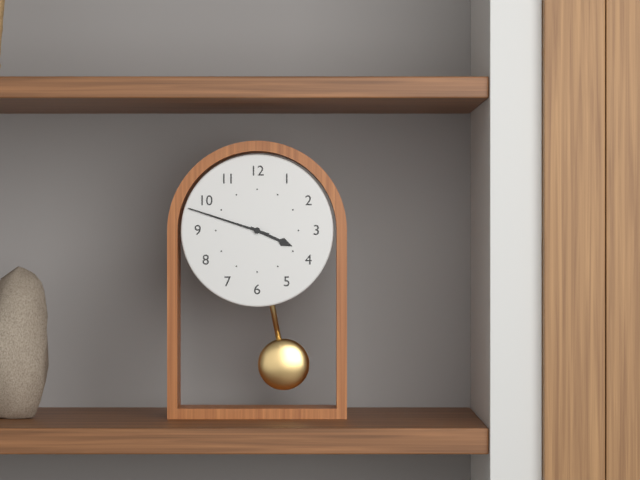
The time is 3h48
